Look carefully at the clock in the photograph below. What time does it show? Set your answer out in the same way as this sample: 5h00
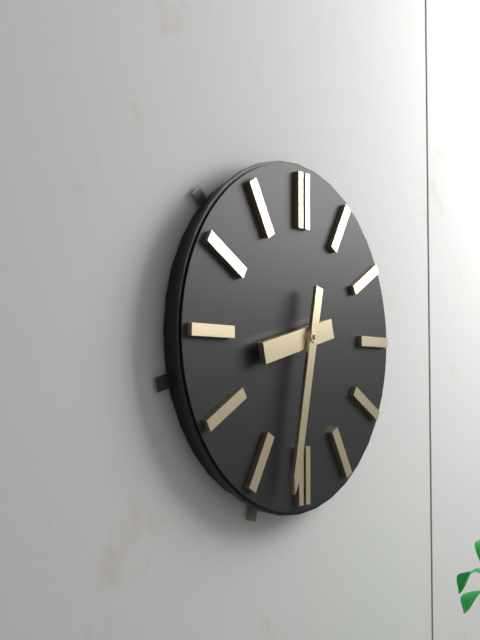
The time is 8h32
